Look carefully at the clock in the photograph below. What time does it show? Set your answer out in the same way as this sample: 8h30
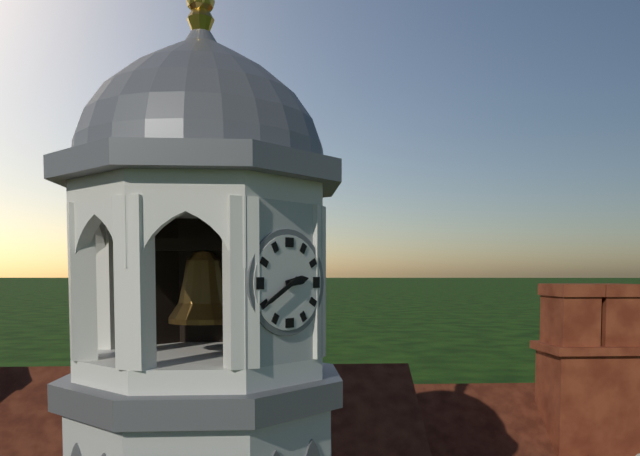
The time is 2h40
